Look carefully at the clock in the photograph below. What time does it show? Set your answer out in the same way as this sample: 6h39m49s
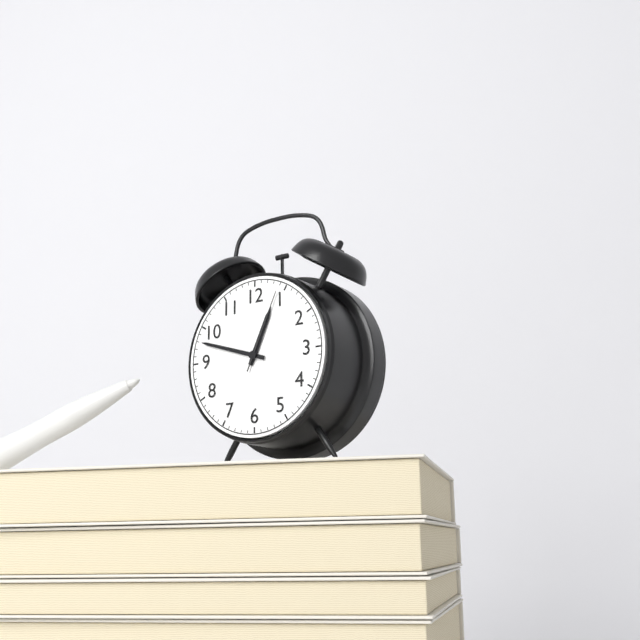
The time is 12h48m04s
